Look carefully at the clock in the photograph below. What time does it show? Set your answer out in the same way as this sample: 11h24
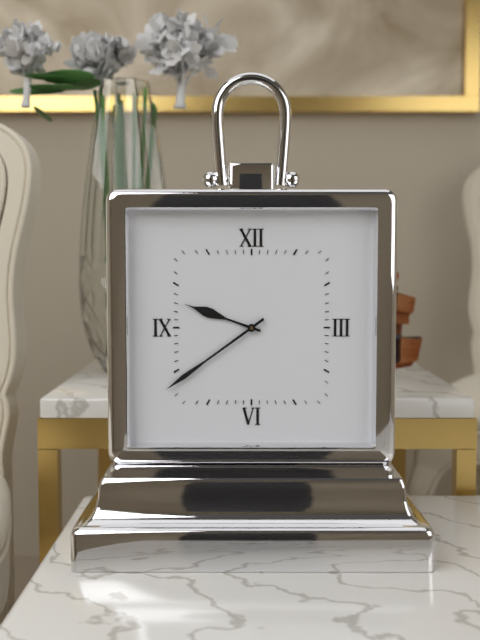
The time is 9h39
